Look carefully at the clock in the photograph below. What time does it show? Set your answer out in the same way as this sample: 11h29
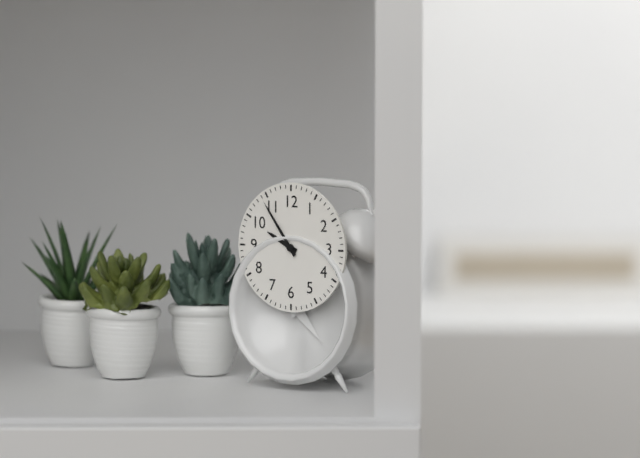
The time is 9h54
